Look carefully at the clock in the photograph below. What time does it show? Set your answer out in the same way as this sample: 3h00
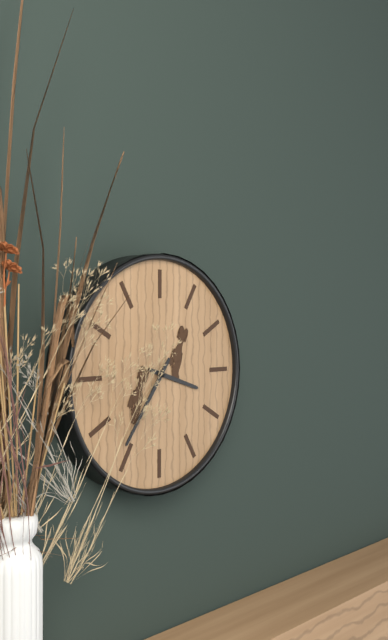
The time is 3h36
